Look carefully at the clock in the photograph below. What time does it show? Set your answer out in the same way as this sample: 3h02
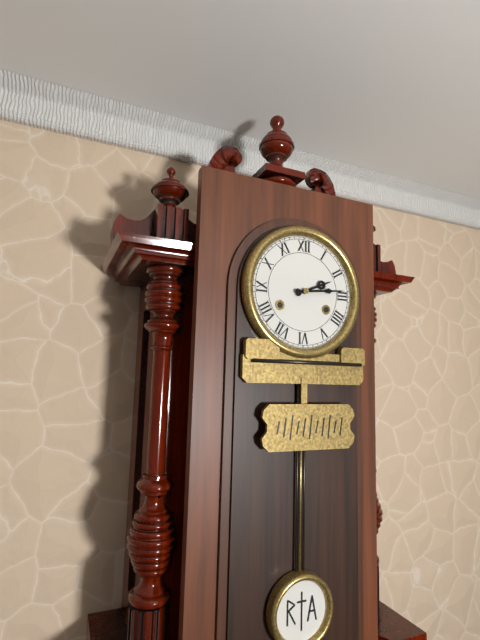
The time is 2h14
